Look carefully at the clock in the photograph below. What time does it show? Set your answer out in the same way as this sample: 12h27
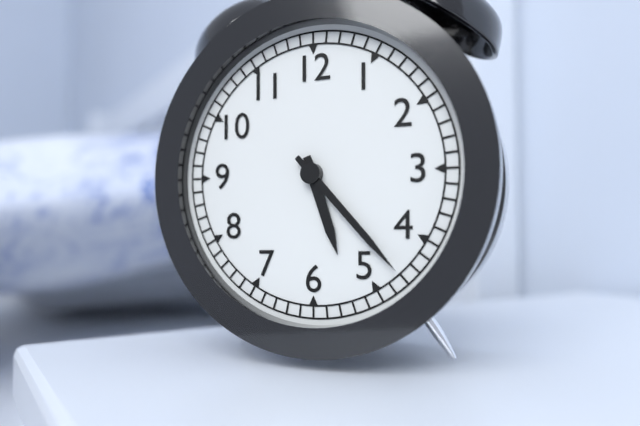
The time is 5h23
